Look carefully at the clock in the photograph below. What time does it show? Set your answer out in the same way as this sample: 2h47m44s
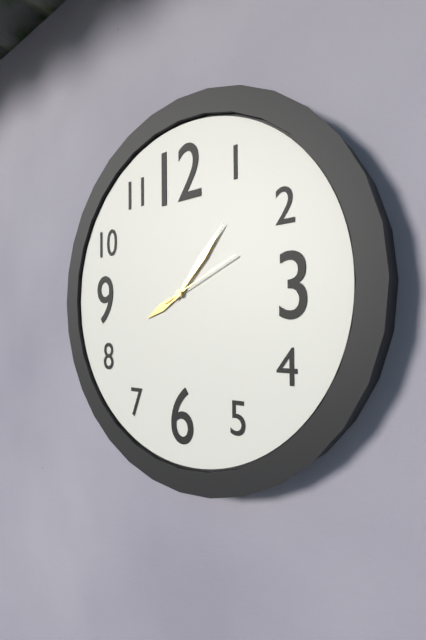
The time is 8h07m11s
